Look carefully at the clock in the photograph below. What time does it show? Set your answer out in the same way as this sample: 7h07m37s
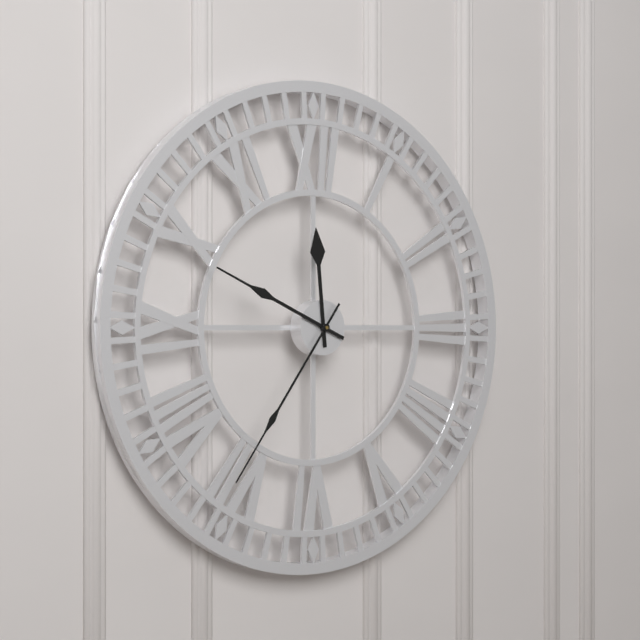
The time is 11h49m36s
